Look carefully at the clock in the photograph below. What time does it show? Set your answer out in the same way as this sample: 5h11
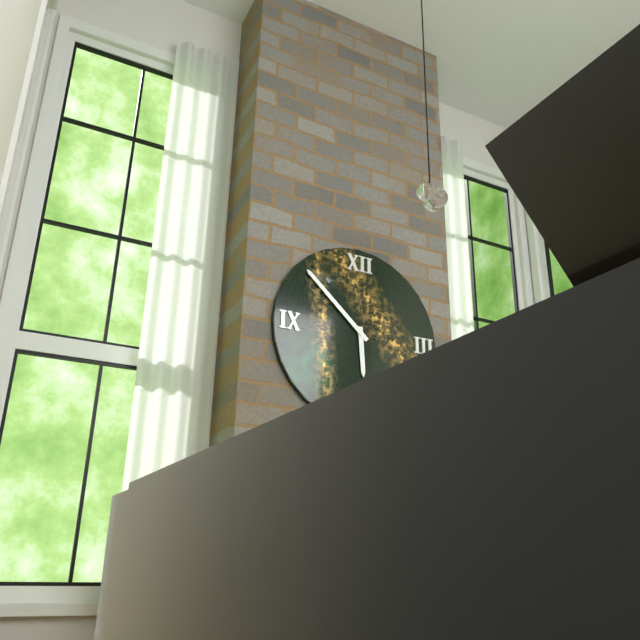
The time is 5h52
